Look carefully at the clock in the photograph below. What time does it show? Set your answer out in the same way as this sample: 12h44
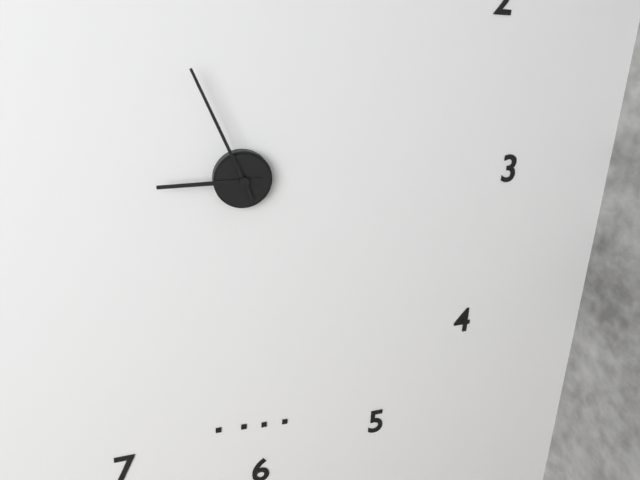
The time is 8h56
